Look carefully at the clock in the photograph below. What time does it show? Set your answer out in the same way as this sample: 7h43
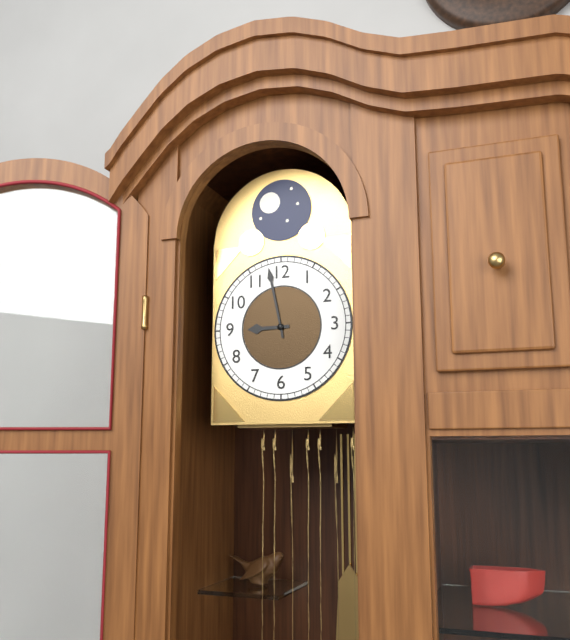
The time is 8h58
